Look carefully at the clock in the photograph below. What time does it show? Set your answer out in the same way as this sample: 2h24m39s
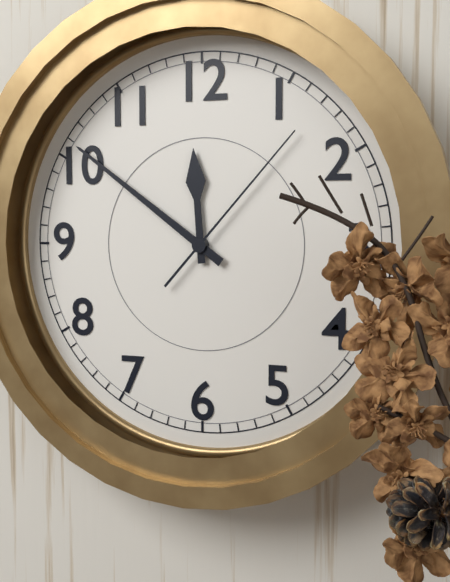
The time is 11h51m07s
